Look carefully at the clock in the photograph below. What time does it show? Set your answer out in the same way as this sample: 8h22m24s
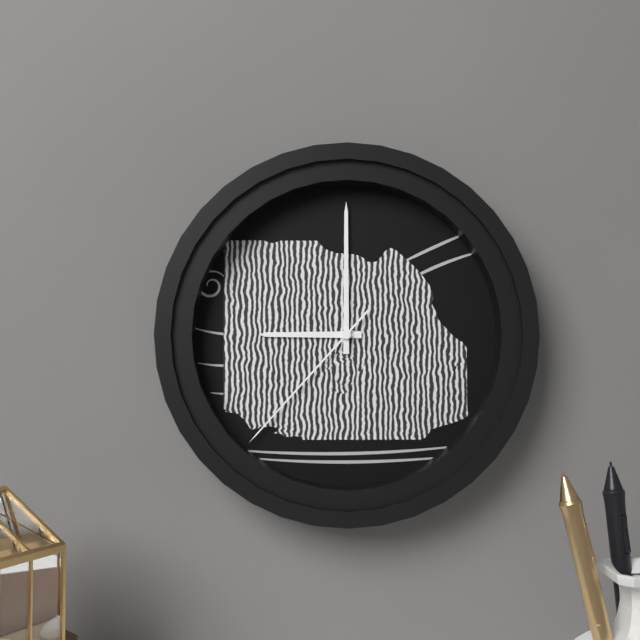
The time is 9h00m37s
